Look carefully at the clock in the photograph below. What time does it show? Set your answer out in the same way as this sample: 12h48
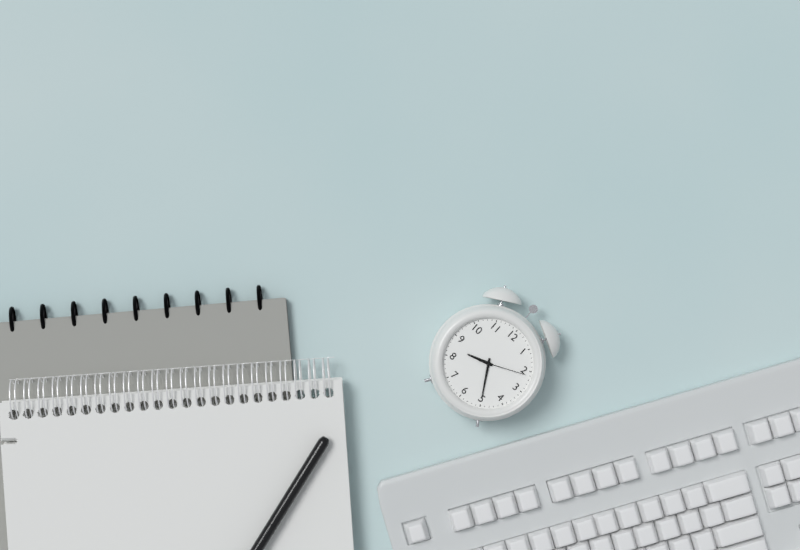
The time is 8h25
